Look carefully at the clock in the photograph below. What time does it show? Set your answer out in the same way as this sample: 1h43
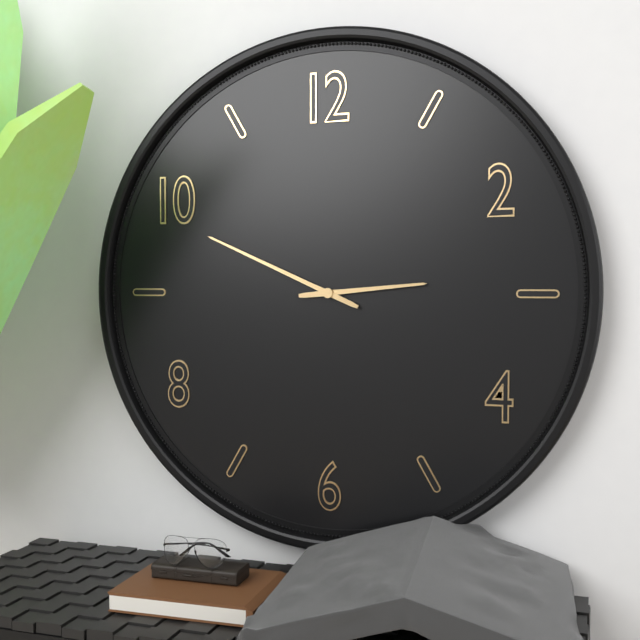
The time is 2h49
